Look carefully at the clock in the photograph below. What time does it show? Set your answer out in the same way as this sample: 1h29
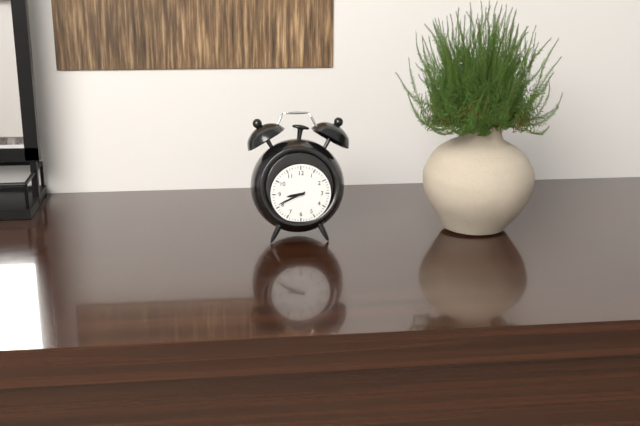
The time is 8h41
